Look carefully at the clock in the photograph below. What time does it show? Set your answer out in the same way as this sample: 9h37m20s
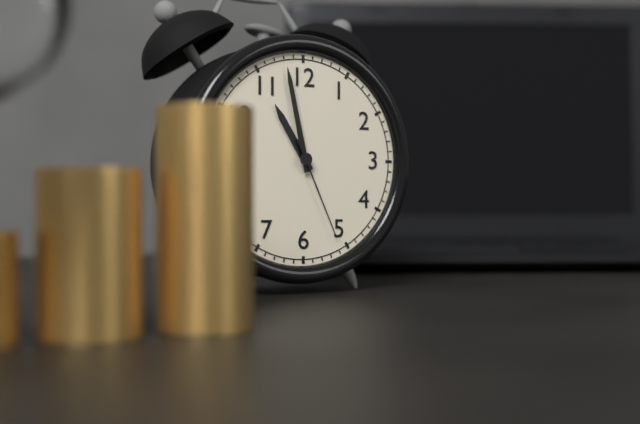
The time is 10h58m26s
